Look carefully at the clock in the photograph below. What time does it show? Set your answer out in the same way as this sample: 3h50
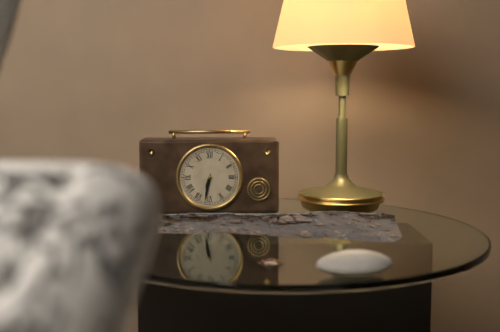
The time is 6h32
